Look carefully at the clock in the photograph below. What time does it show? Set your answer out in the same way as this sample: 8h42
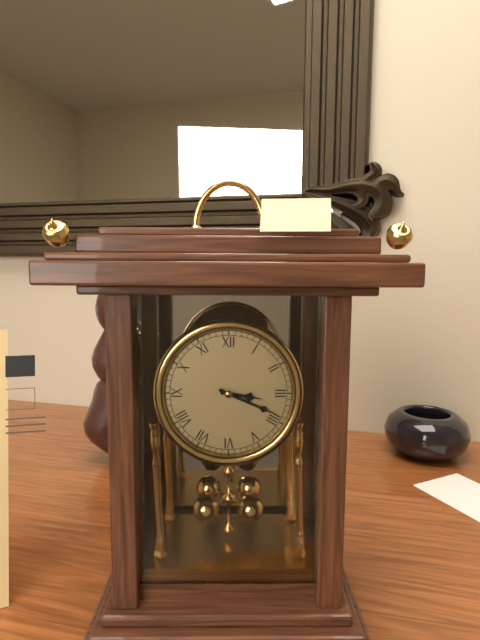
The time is 3h19
